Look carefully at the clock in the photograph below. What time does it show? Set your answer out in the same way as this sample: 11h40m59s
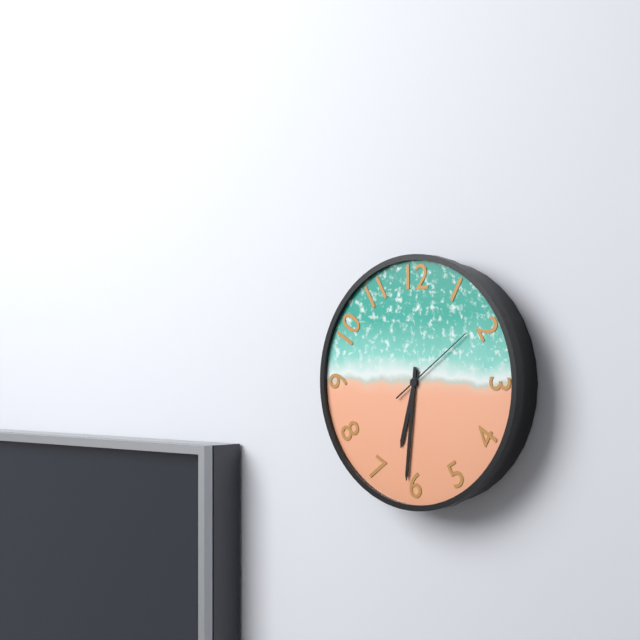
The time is 6h31m09s
